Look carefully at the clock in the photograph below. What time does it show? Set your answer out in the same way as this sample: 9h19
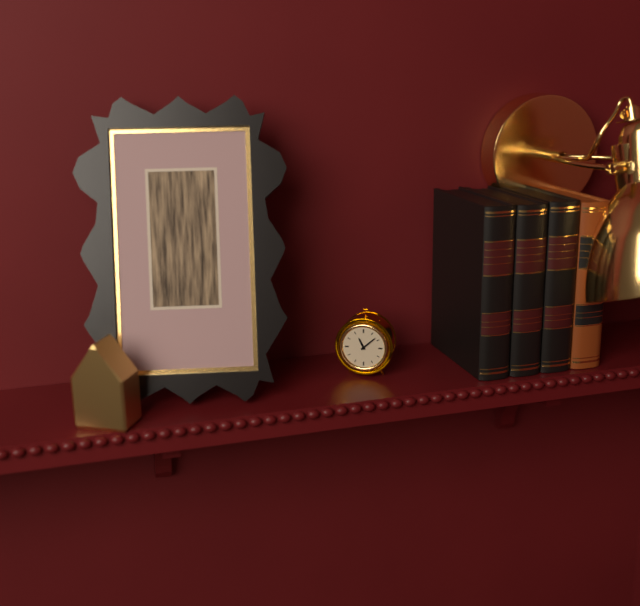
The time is 11h08
